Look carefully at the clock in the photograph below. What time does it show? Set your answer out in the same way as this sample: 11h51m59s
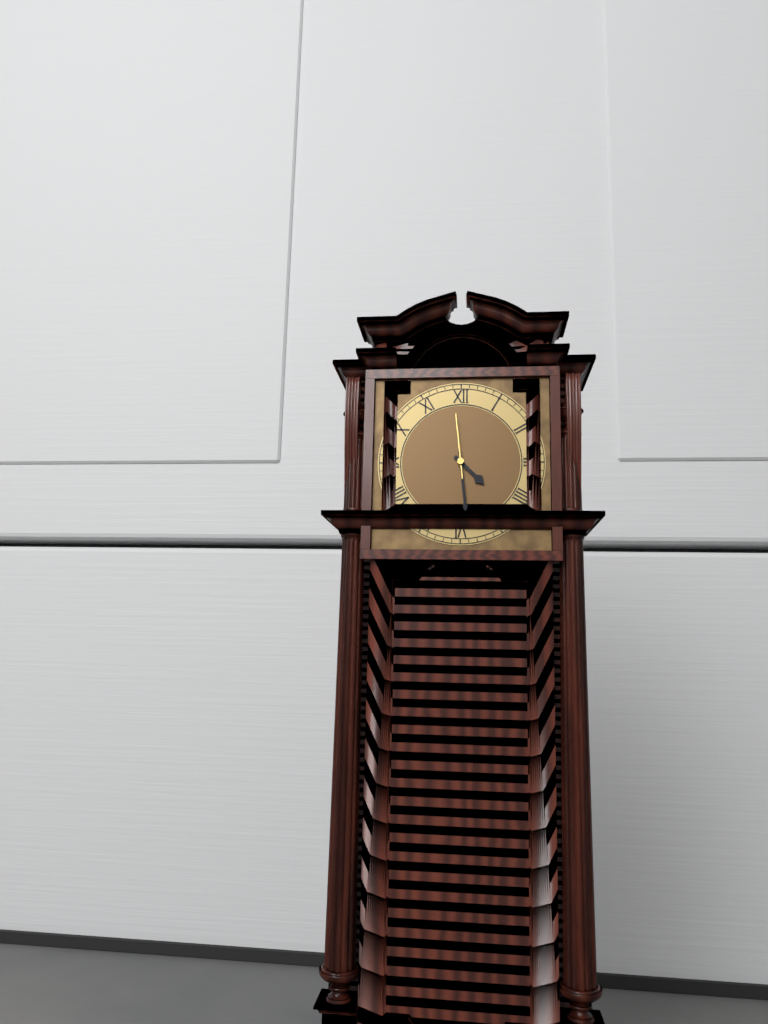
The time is 4h29m59s
